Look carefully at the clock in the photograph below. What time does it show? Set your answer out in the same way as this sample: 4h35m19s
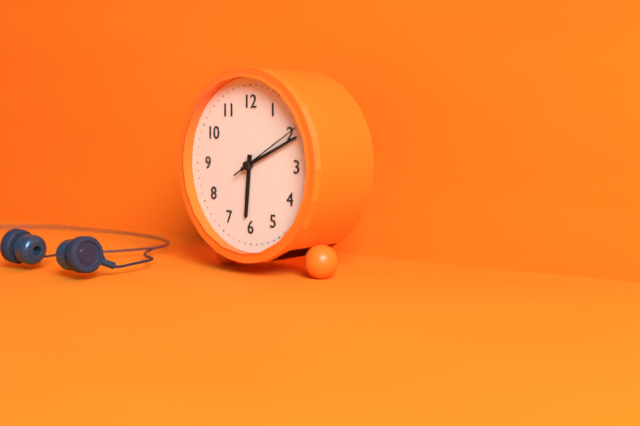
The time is 6h11m10s
